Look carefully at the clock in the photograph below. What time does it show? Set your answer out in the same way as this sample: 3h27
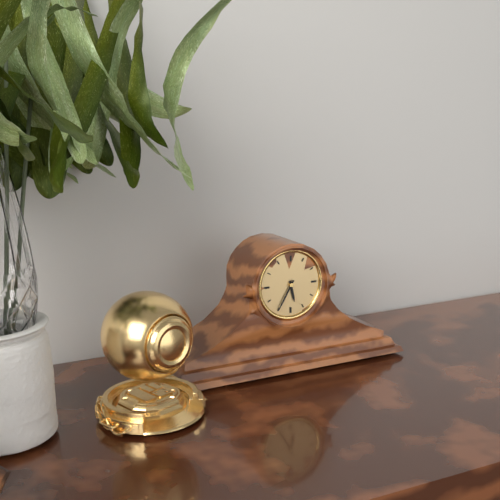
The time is 5h35
